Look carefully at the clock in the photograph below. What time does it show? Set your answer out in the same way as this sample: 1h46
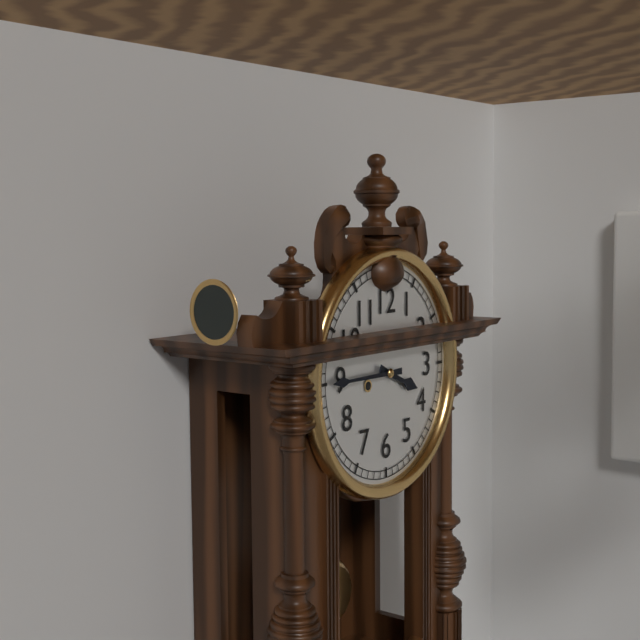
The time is 3h45
